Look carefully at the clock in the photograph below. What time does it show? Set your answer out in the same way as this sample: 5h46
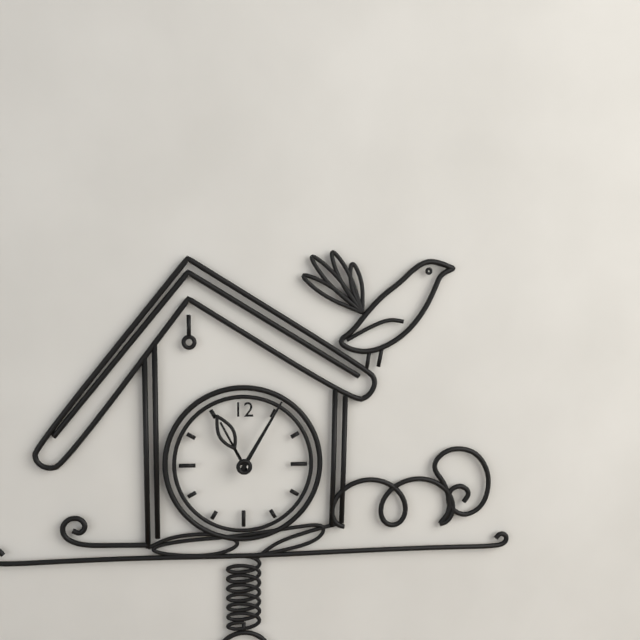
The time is 11h05
